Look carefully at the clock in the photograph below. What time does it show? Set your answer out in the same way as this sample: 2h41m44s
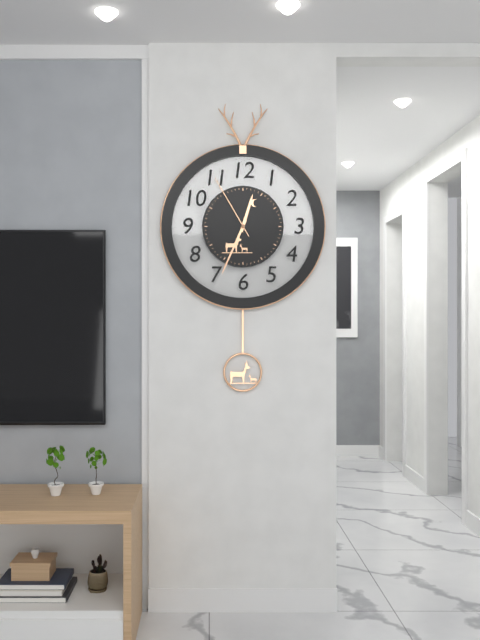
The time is 12h34m55s
